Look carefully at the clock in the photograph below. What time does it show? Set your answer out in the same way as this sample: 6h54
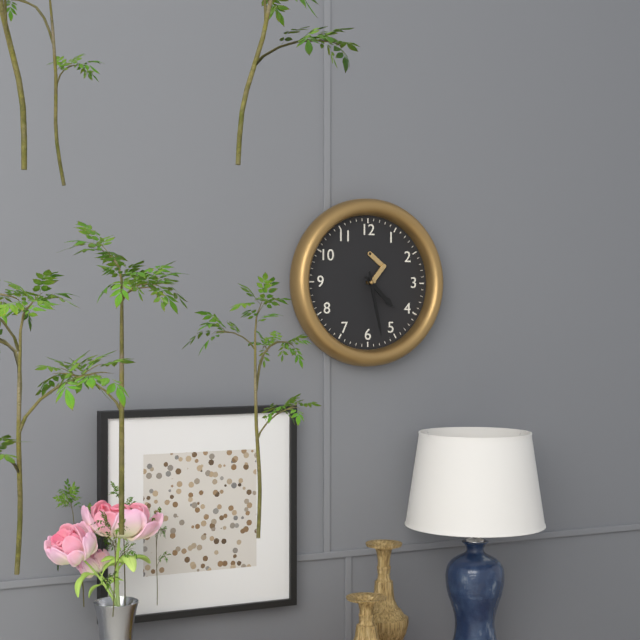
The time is 4h28
